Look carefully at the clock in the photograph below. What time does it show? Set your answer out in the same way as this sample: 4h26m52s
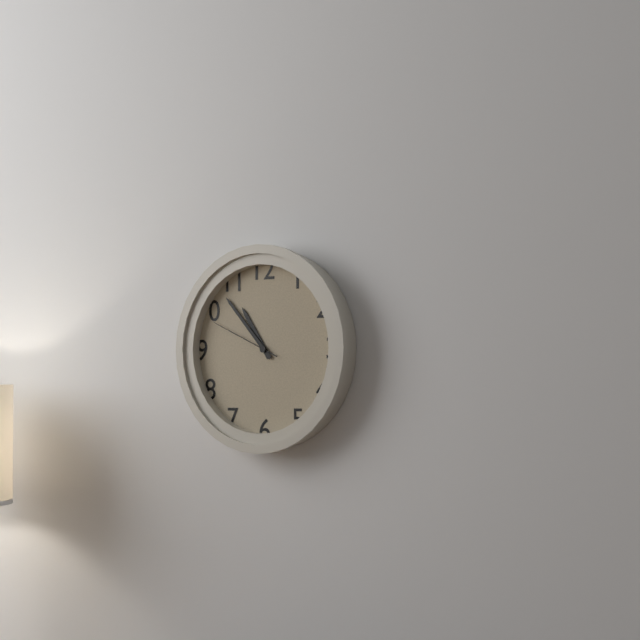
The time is 10h53m49s
